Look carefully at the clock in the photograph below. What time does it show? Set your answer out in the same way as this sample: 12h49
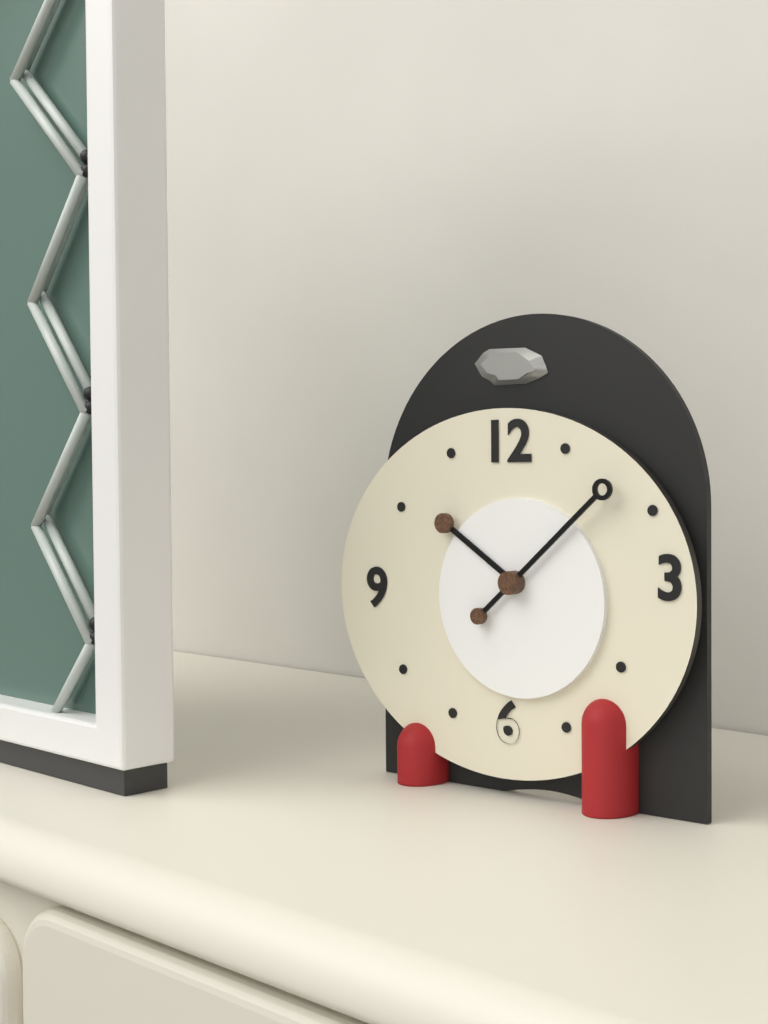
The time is 10h08
